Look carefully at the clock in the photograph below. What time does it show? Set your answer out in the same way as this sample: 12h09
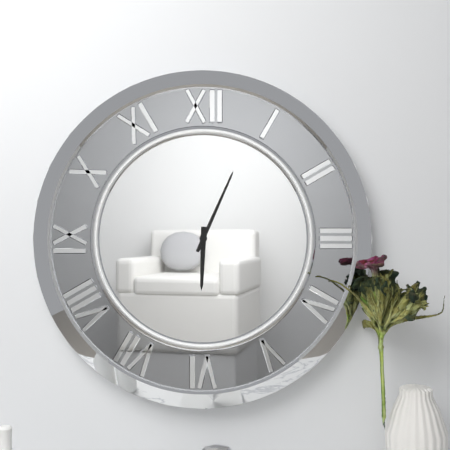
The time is 6h04
